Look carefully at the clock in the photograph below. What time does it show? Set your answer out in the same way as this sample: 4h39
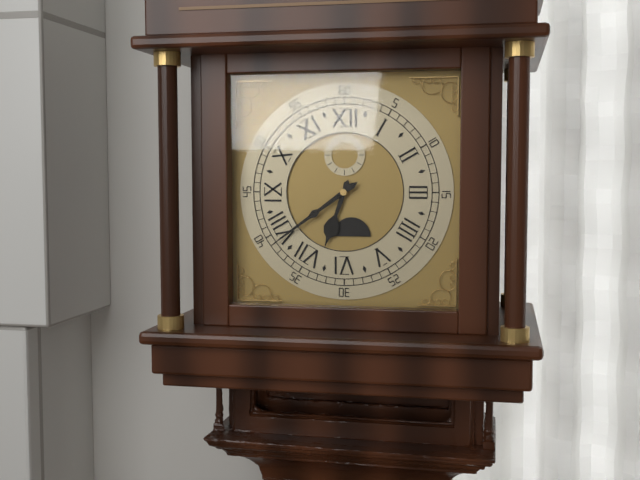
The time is 6h39
